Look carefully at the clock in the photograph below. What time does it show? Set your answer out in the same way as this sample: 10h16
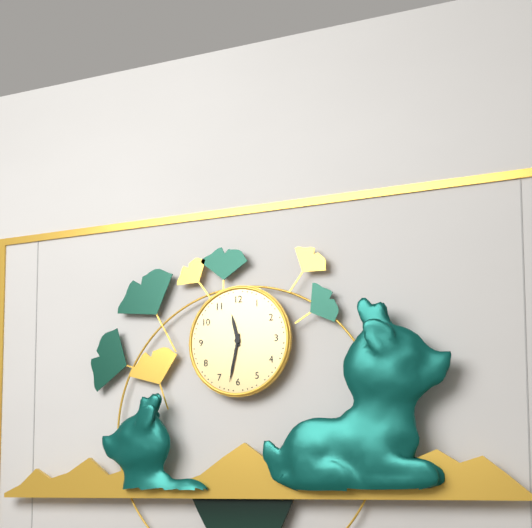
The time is 11h32
